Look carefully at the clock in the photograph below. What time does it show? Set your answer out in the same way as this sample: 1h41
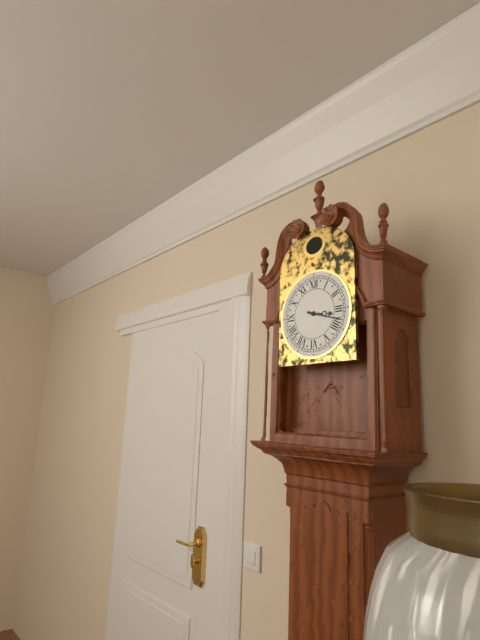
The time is 3h18
